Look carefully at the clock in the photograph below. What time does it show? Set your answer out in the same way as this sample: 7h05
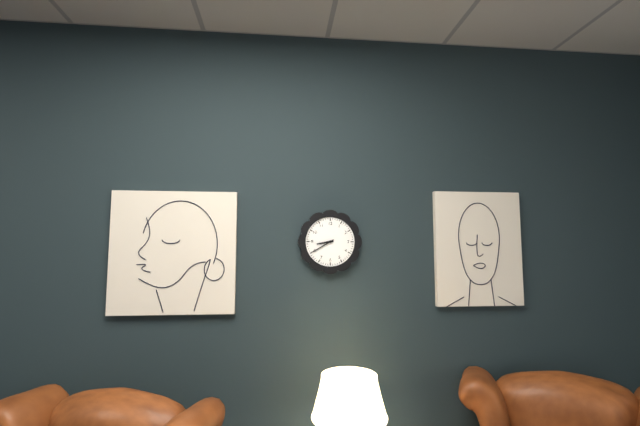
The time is 8h40
